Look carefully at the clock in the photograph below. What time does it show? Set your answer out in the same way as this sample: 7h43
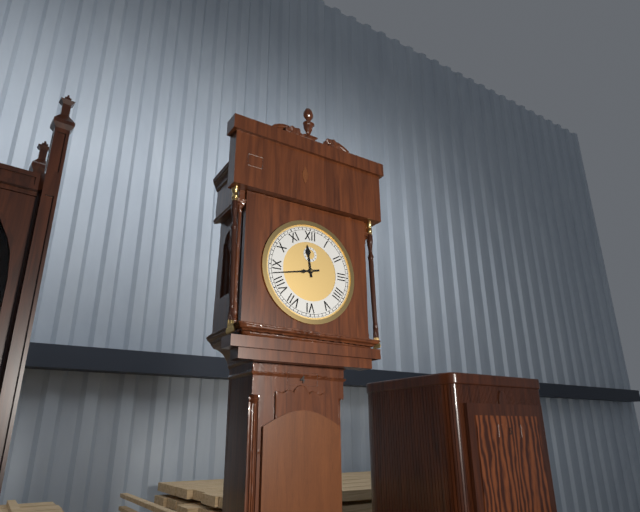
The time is 11h43
